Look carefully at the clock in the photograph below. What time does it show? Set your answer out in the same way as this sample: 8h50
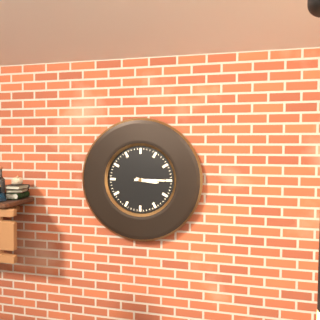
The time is 3h15
